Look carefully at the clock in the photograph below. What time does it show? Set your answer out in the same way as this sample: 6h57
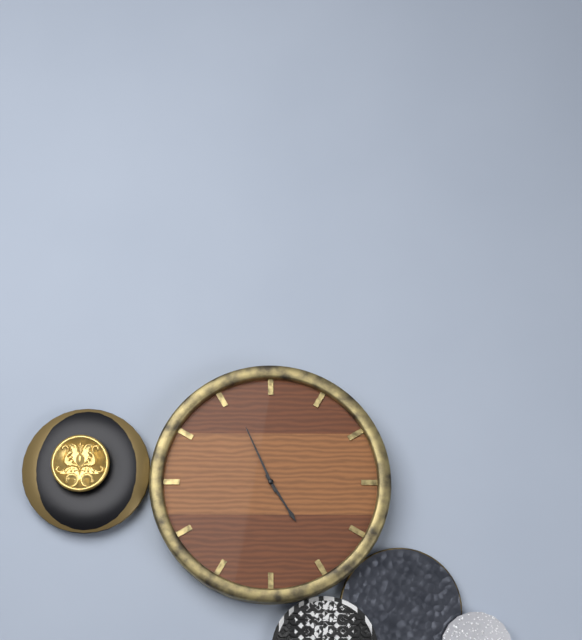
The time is 4h56
